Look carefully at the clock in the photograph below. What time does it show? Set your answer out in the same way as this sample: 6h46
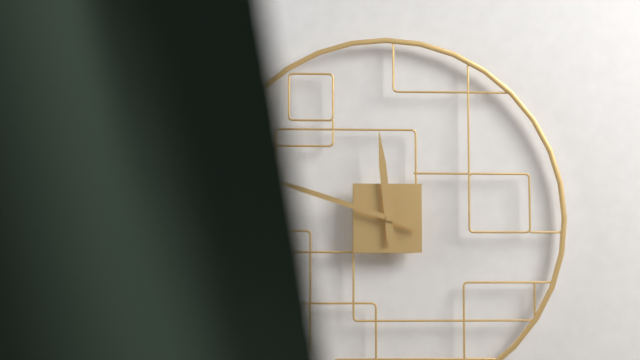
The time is 11h48
